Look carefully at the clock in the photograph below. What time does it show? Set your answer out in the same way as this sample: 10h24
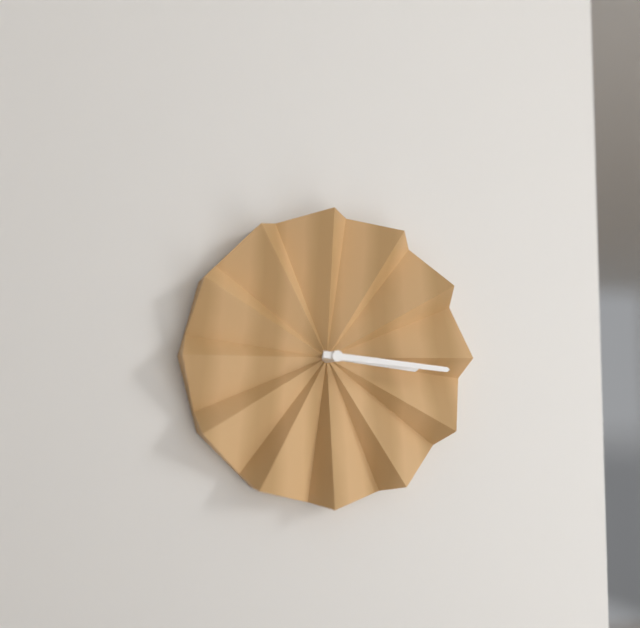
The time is 3h16
